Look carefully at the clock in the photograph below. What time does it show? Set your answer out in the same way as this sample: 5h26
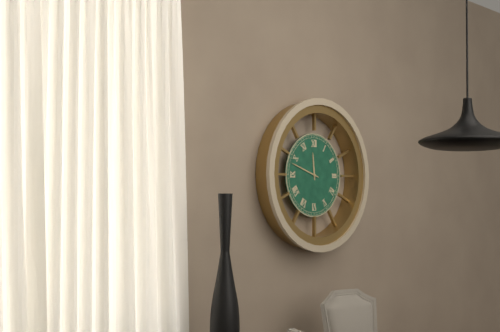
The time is 11h48
